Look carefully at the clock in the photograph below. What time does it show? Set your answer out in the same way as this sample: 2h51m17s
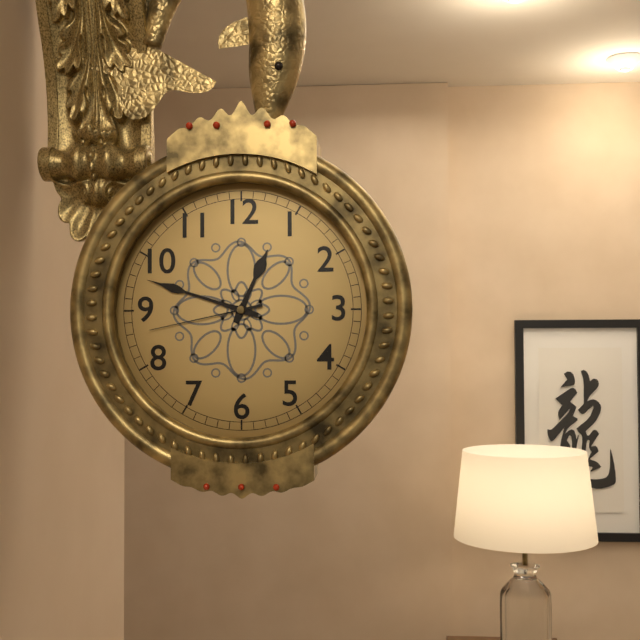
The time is 12h48m43s
